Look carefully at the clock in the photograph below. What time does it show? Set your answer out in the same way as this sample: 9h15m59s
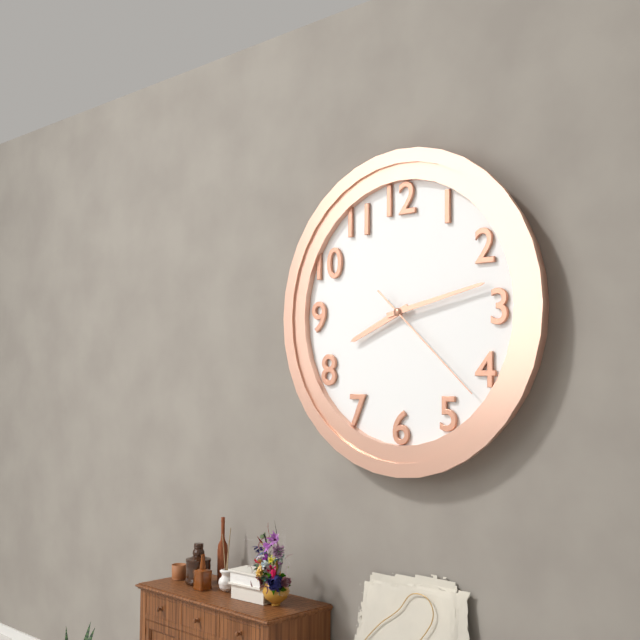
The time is 8h13m22s
